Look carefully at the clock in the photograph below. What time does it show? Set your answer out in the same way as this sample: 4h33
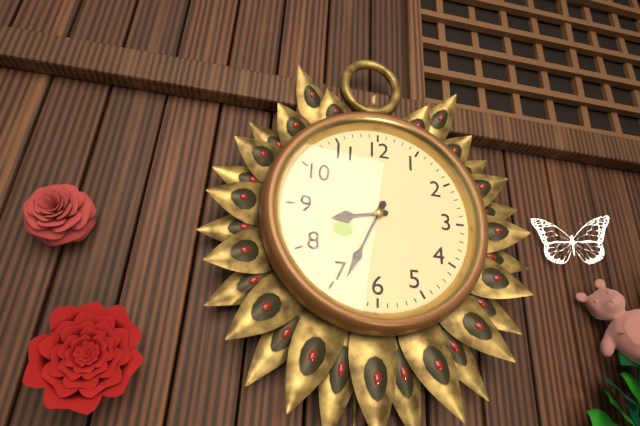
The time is 8h34
